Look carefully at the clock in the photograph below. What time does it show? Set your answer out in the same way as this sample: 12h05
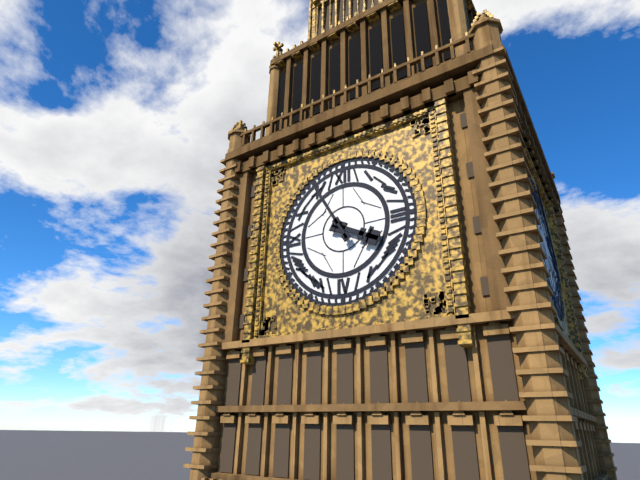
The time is 3h55
